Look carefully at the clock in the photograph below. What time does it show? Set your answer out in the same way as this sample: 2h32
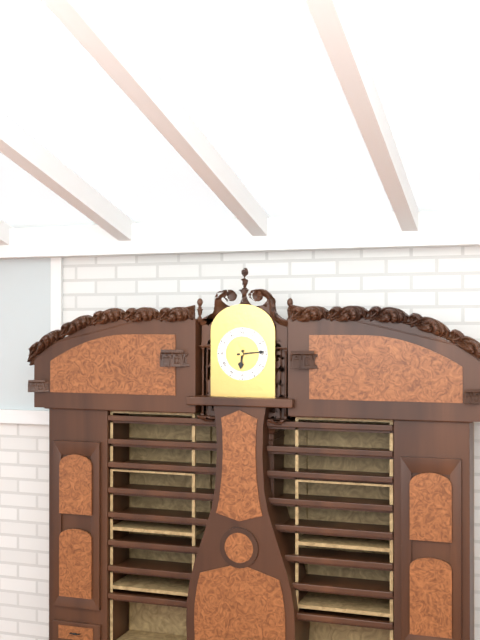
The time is 6h14
